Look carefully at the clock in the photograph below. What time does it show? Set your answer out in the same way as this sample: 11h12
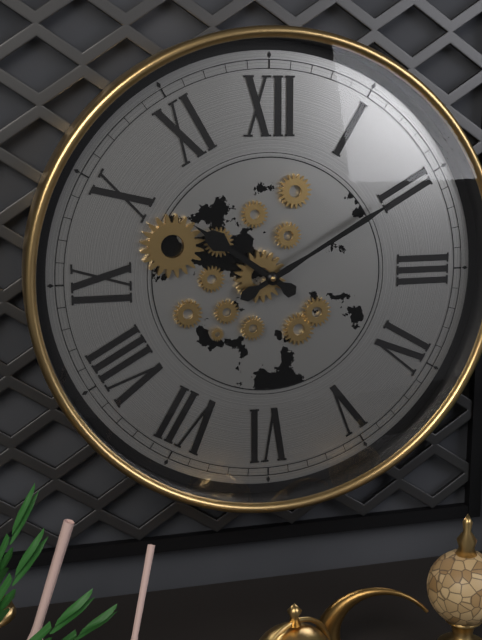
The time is 10h10
